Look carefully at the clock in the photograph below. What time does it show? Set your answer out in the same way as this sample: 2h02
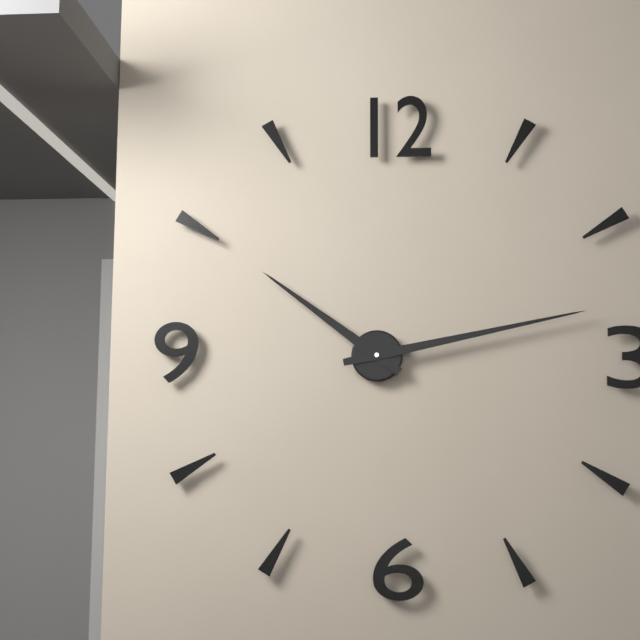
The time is 10h13
